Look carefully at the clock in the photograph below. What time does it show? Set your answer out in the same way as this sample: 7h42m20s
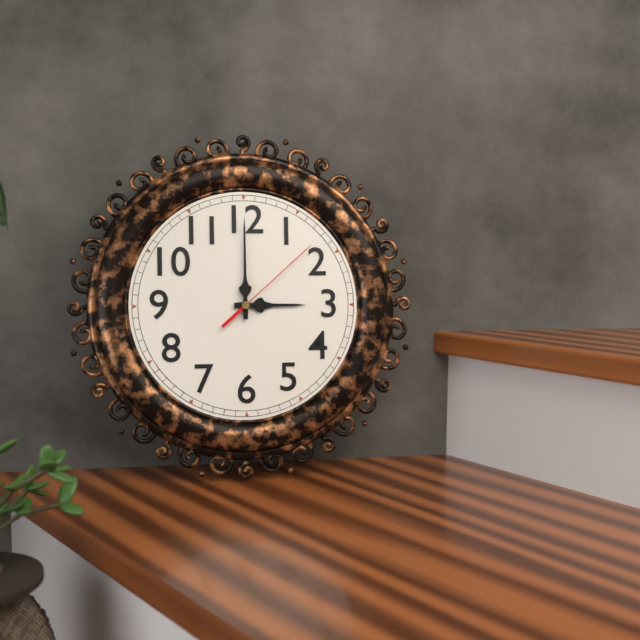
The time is 3h00m08s
